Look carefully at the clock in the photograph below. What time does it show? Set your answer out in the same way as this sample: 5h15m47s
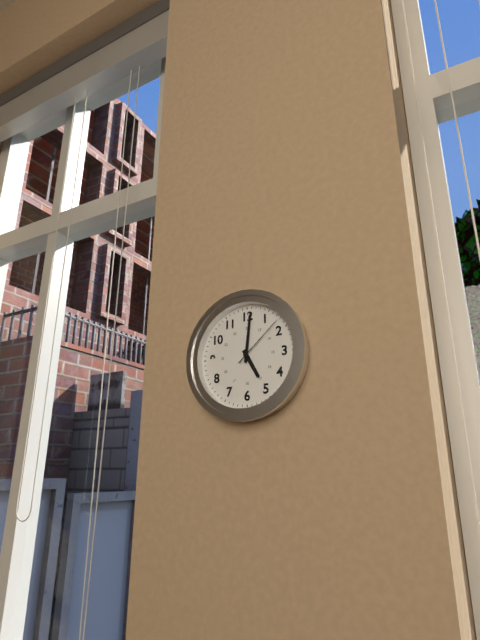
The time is 5h01m08s
